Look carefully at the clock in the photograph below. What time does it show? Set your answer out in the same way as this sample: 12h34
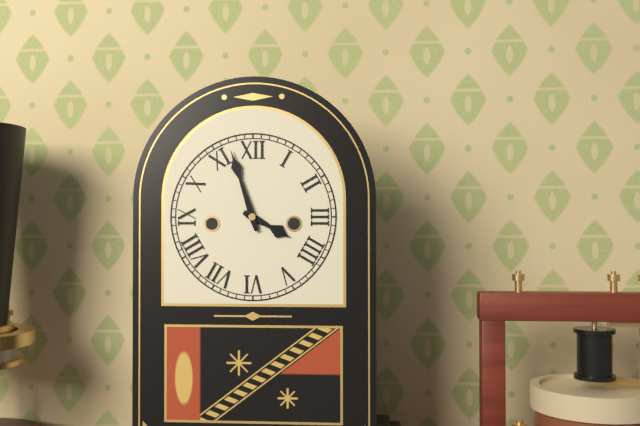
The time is 3h57
